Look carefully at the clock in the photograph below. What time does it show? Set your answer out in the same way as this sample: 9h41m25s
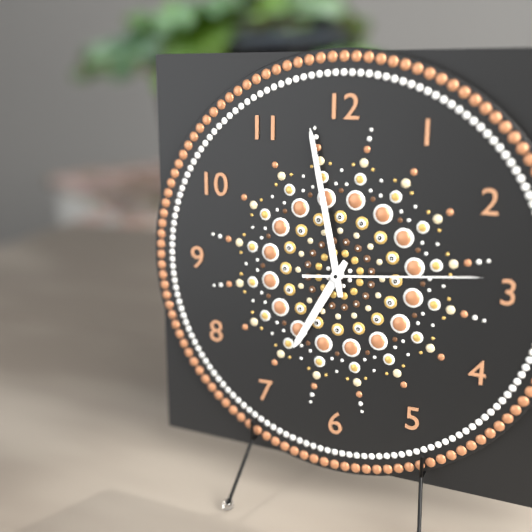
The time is 6h58m14s
